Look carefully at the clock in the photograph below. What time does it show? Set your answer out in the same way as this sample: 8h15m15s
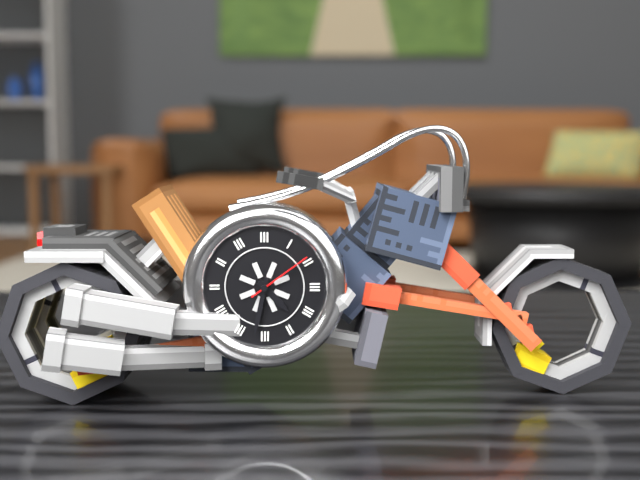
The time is 4h32m09s
